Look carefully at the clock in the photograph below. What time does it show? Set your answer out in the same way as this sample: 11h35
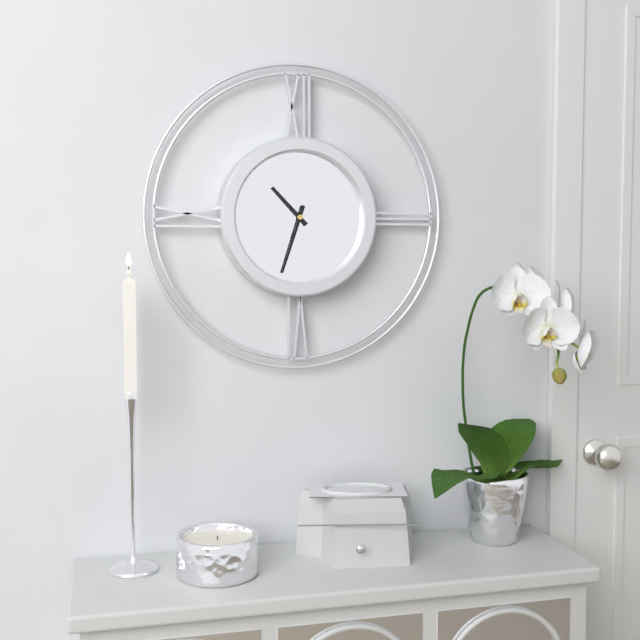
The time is 10h33
